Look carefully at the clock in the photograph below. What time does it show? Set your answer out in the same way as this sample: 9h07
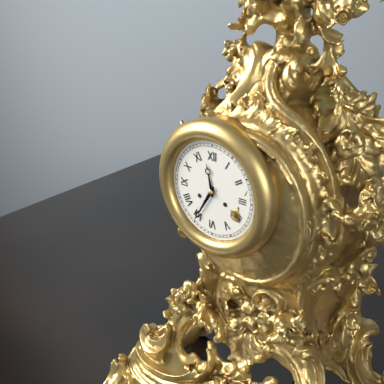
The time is 11h35
